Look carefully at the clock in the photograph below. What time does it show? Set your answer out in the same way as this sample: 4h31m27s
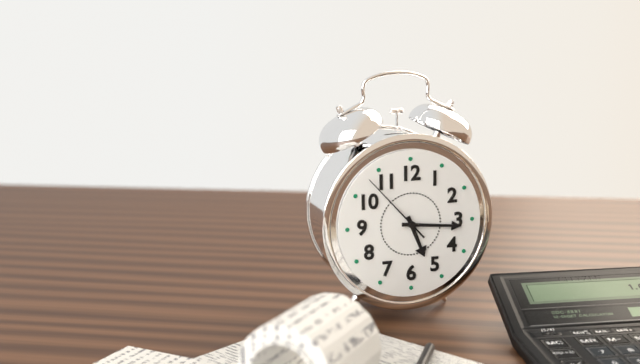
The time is 5h16m53s
